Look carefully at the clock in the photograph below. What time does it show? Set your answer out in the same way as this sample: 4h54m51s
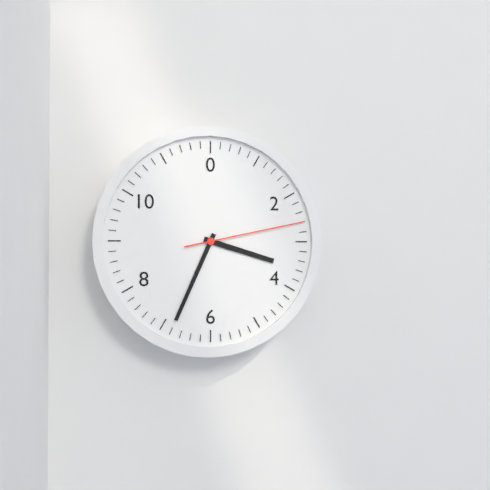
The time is 3h34m13s
